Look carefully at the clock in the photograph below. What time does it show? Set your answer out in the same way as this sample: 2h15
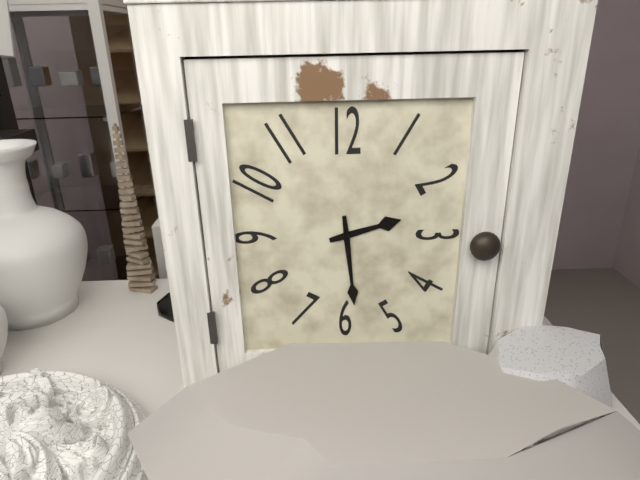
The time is 2h29
